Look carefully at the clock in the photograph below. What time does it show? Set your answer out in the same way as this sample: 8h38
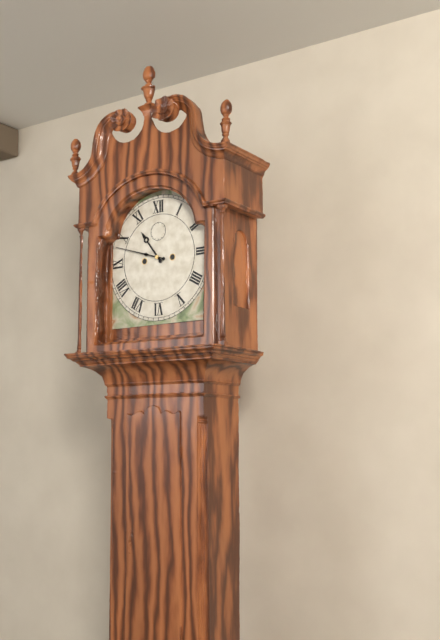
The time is 10h48
